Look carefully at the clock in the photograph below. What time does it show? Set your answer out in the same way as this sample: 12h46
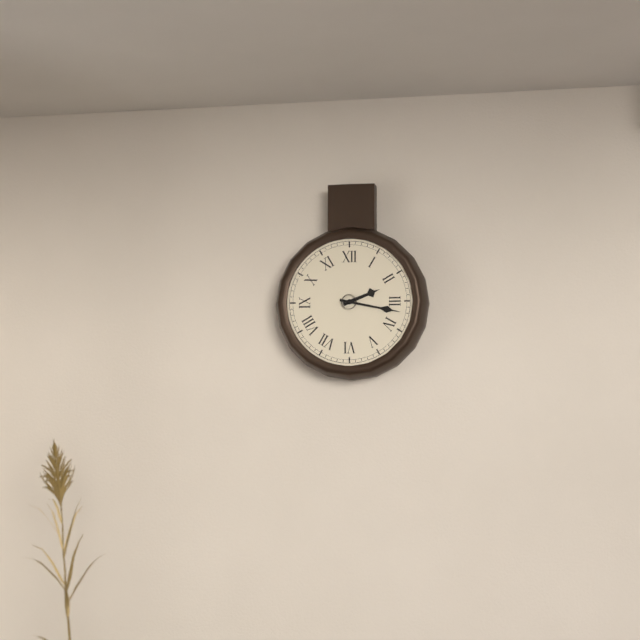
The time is 2h17
